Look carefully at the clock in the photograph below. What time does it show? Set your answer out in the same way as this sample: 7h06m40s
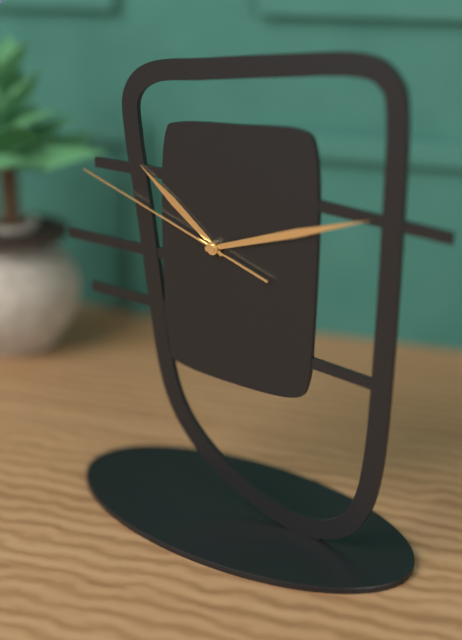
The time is 10h12m48s
